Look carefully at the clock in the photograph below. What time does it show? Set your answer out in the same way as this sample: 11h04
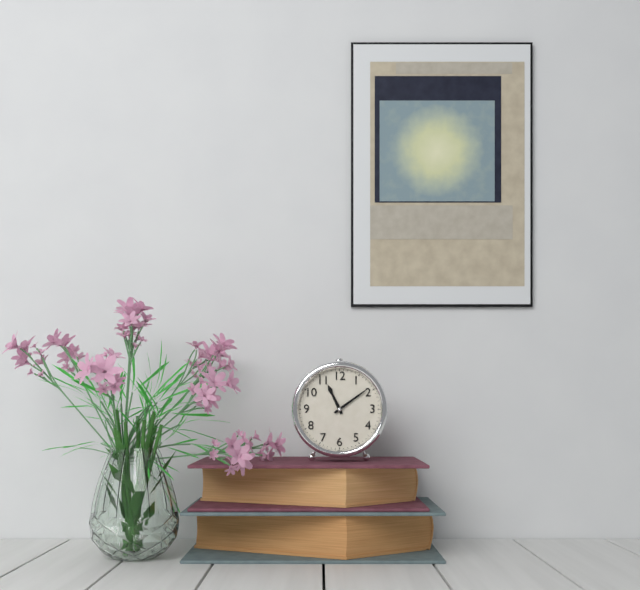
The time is 11h09
